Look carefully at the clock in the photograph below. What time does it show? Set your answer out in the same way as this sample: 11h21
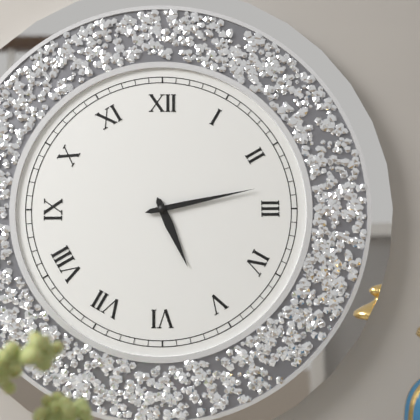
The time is 5h13
